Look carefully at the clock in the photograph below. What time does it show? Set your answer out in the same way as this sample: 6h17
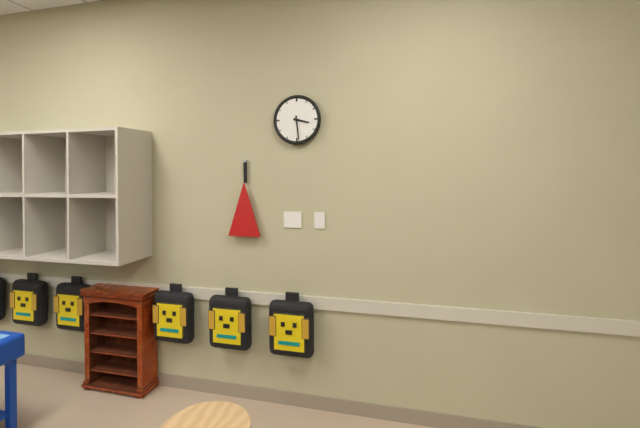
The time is 3h29
